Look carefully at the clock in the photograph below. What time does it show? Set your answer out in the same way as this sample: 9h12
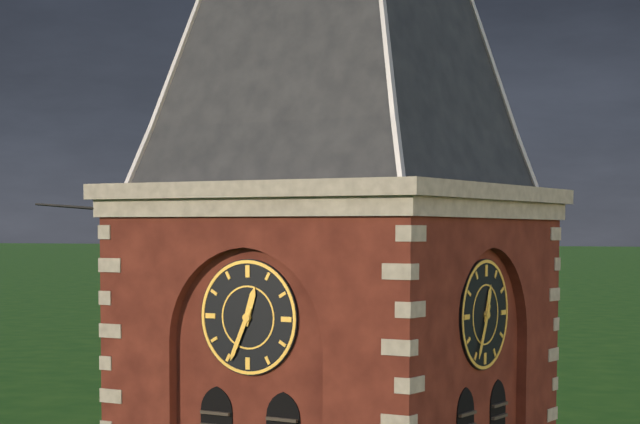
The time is 12h34
